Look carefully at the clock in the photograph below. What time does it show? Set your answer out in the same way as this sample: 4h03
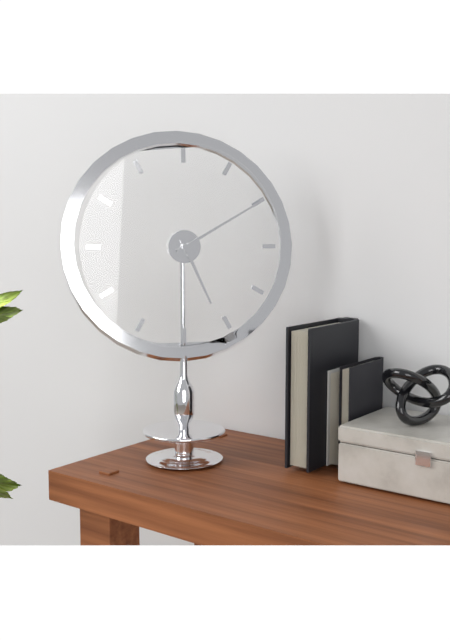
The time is 5h10
